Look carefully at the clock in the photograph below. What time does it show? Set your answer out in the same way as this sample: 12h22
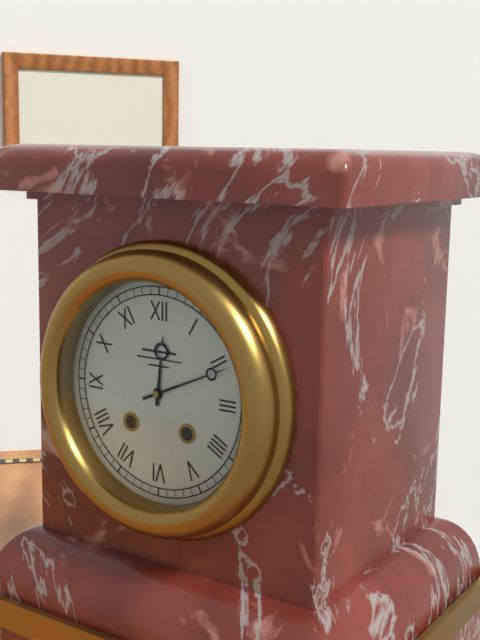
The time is 12h11
